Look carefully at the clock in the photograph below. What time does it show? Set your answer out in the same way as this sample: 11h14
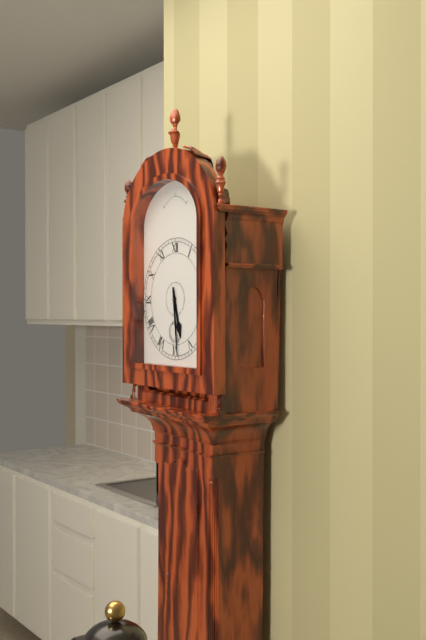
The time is 5h29
